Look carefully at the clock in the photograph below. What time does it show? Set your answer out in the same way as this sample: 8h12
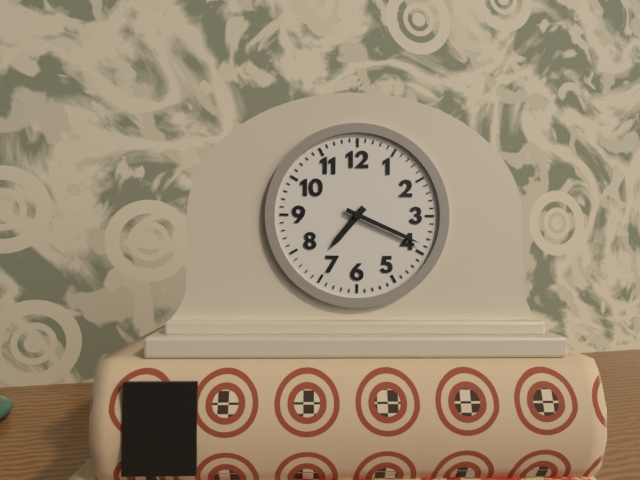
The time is 7h19
